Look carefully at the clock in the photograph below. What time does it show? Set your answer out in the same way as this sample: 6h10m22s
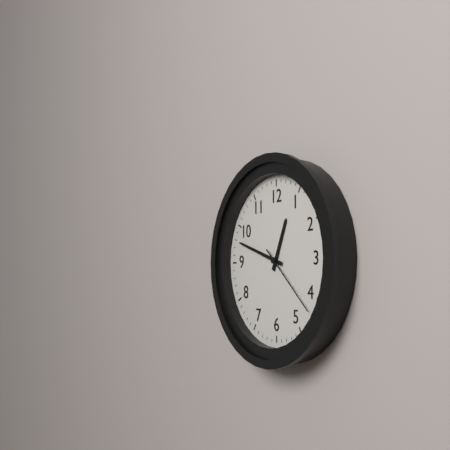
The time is 12h48m22s
